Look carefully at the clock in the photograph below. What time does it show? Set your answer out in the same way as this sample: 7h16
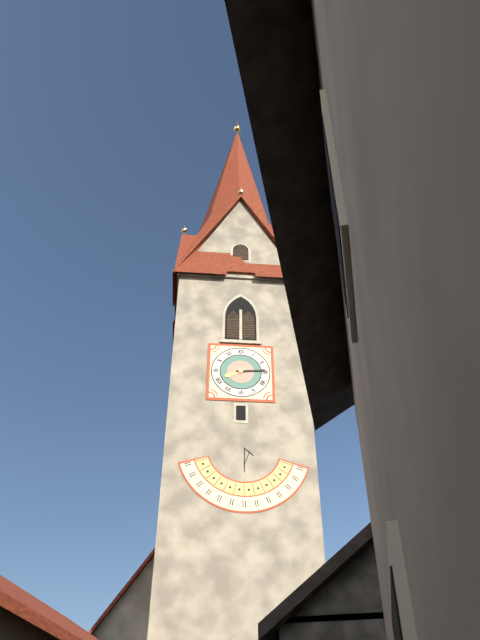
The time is 8h14
